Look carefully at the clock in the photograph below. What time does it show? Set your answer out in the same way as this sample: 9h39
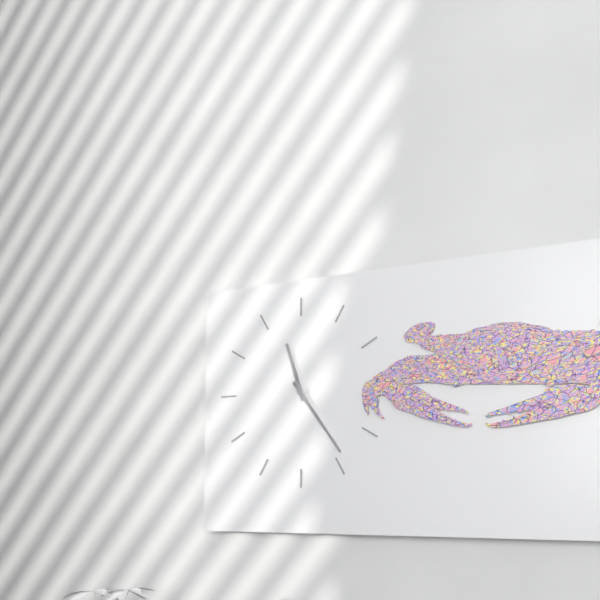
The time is 11h24
